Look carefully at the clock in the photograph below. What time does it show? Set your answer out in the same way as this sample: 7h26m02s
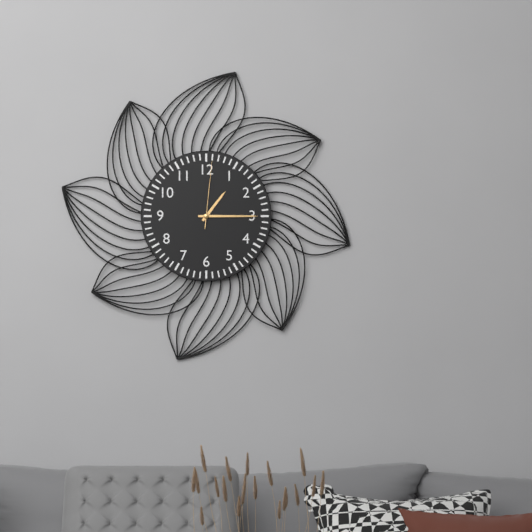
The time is 1h15m01s
